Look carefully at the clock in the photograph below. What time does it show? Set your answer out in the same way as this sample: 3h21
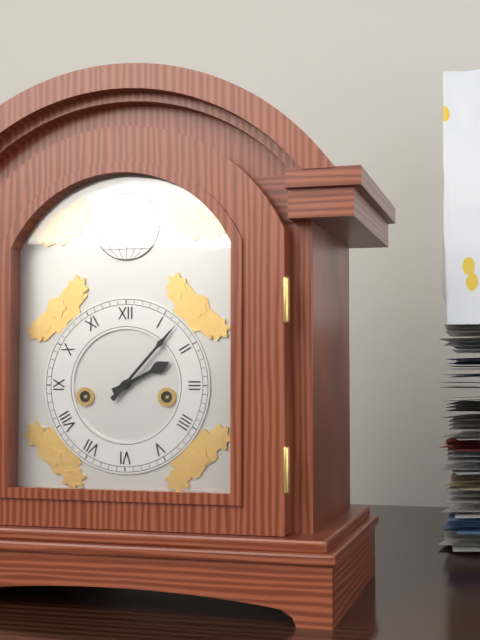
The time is 2h07
